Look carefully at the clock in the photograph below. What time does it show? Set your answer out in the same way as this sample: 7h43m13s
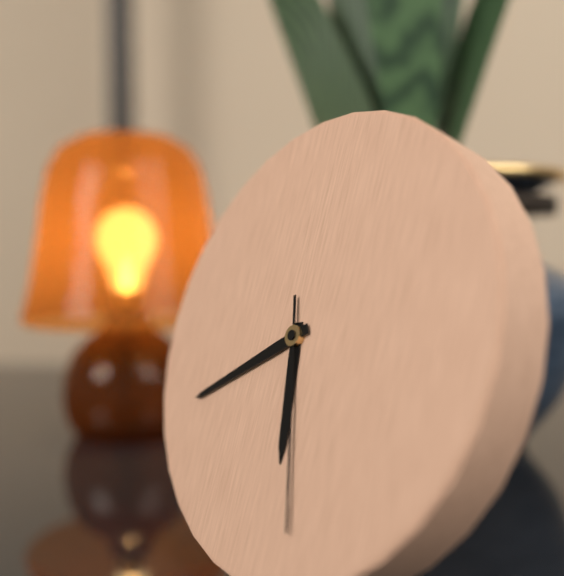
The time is 5h40m27s
